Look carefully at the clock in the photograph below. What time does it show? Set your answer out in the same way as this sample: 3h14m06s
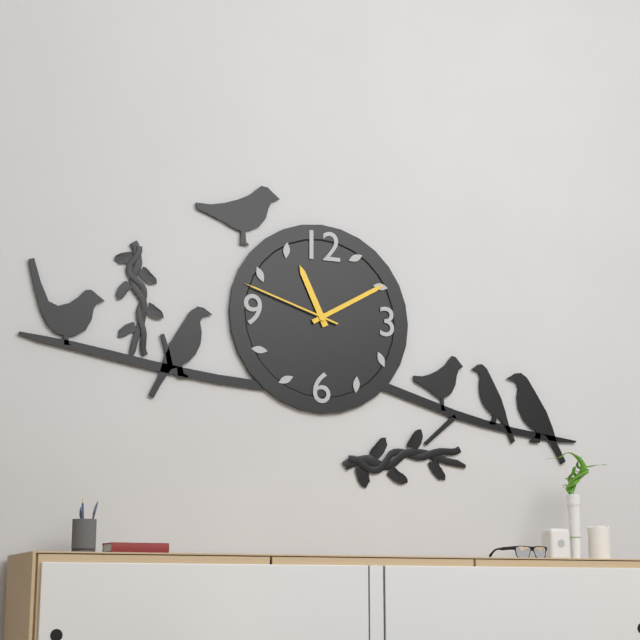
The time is 11h10m48s
